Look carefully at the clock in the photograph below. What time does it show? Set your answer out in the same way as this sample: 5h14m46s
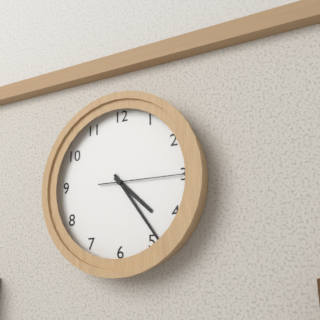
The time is 4h24m15s
